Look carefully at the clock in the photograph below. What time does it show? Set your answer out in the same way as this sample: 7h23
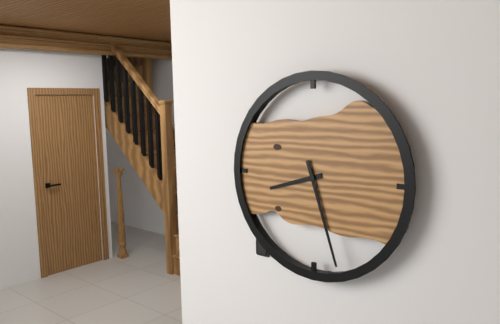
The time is 8h27
